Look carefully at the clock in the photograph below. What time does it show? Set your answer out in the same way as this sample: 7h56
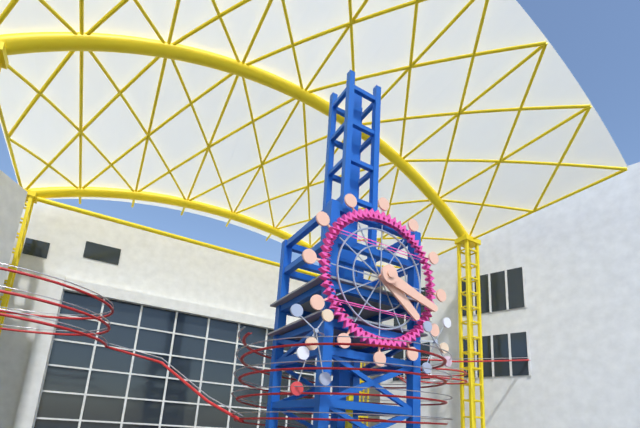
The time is 4h18
